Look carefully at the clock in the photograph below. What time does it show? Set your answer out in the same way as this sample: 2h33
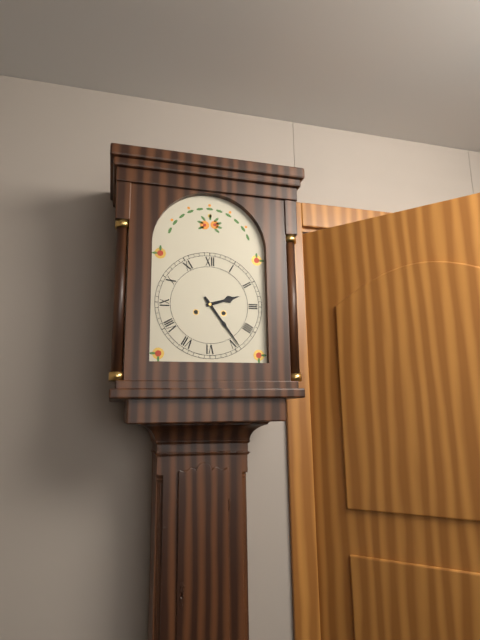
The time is 2h24
